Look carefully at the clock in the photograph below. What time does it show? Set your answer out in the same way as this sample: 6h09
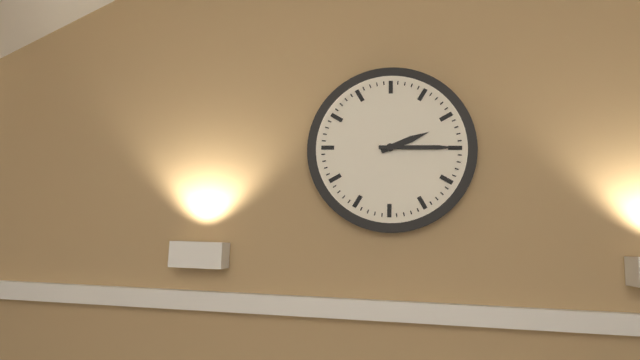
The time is 2h15
